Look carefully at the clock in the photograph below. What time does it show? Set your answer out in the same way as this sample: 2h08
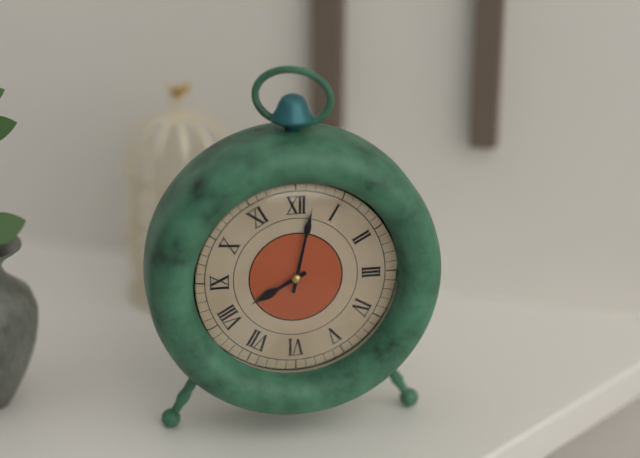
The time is 8h02
